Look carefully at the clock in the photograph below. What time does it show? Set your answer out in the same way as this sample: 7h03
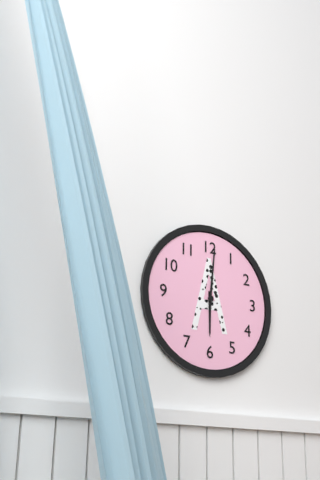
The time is 6h01
